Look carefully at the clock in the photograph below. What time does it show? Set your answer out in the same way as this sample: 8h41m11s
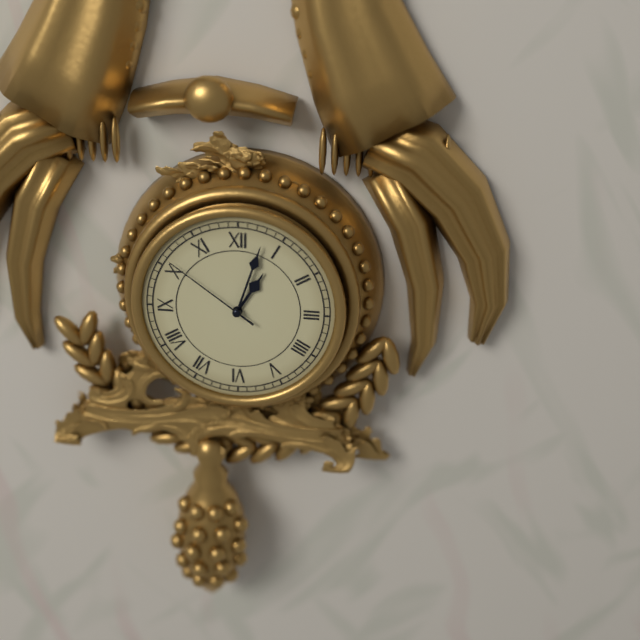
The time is 1h03m51s
